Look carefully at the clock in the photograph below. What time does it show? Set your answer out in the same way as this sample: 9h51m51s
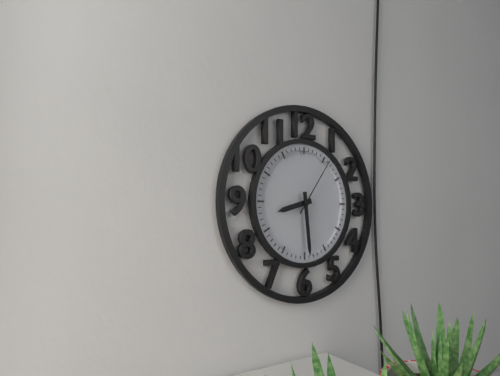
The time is 8h29m06s
